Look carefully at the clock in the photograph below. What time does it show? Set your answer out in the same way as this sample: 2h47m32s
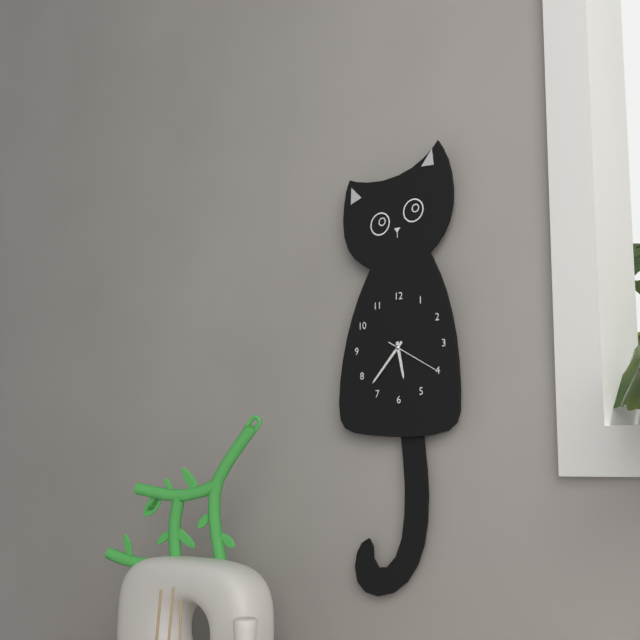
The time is 5h37m20s
